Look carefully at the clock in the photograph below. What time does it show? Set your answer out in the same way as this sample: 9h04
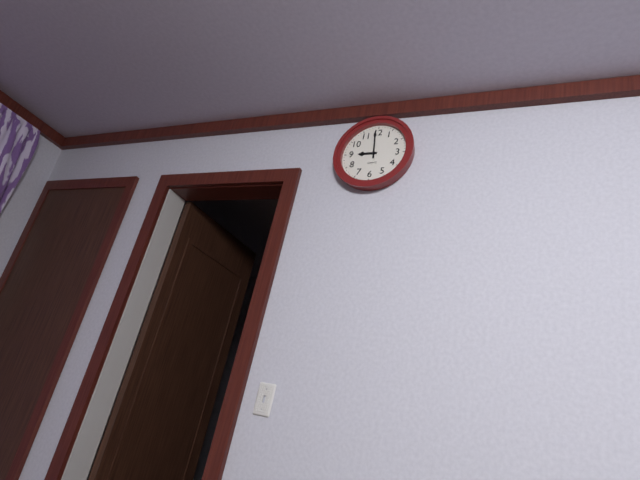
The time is 8h59
